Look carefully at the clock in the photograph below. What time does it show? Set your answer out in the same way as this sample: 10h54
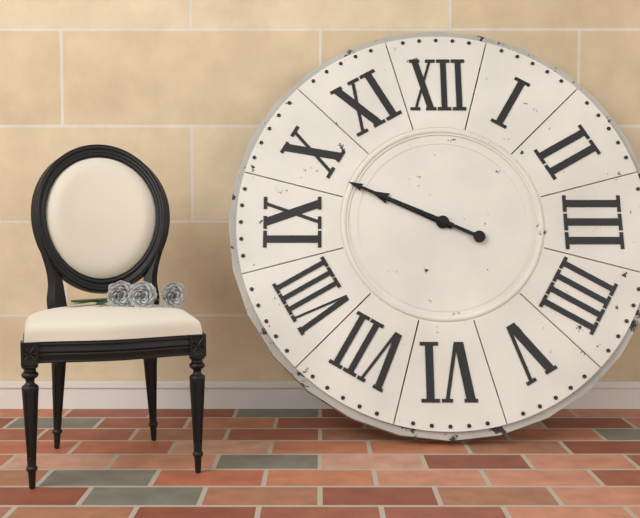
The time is 9h49
